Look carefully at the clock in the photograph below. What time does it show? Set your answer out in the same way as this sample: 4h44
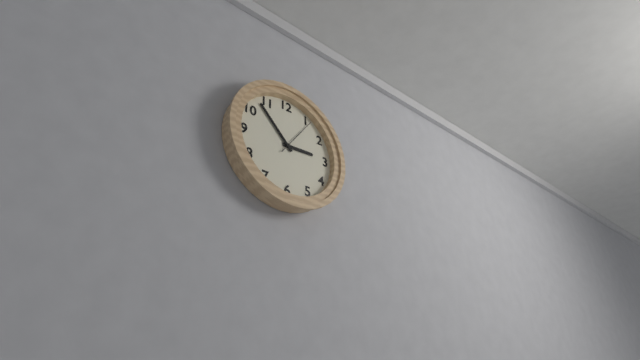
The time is 2h53
